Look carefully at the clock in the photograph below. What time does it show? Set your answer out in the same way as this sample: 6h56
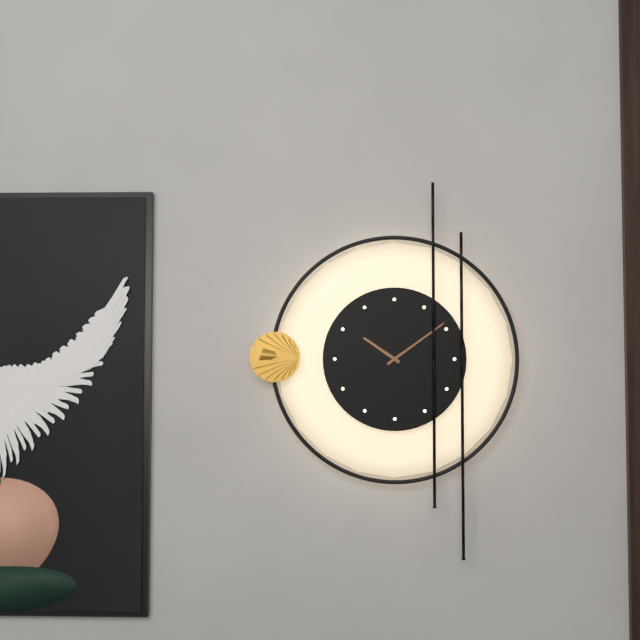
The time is 10h09
